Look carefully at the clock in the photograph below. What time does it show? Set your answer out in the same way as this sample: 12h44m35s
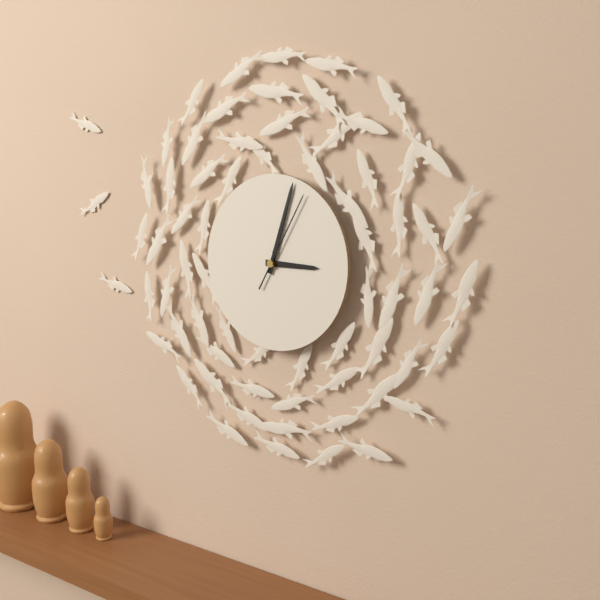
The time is 3h03m05s
